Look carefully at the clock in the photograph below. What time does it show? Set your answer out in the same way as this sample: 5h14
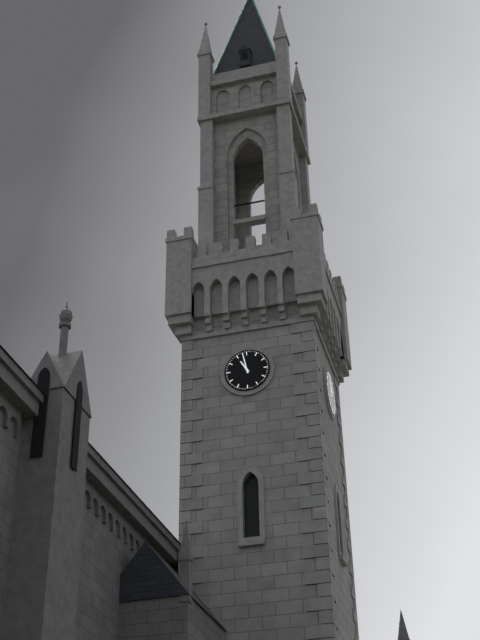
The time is 10h58
